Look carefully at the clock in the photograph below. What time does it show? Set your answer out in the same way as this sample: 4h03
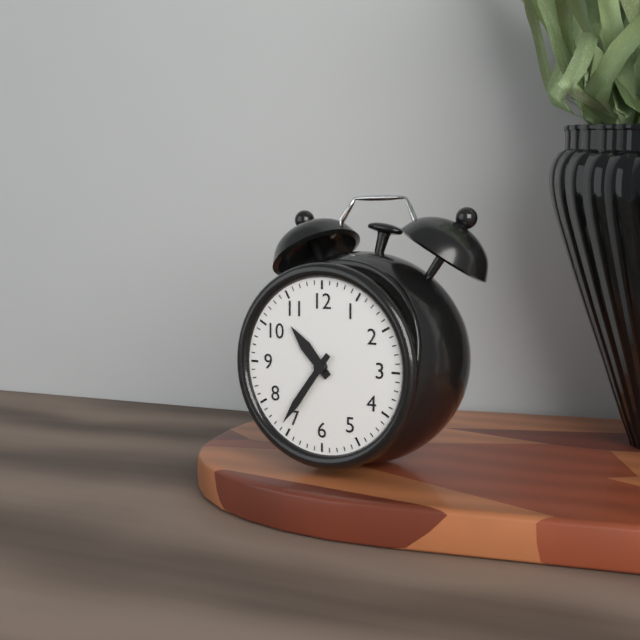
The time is 10h36
